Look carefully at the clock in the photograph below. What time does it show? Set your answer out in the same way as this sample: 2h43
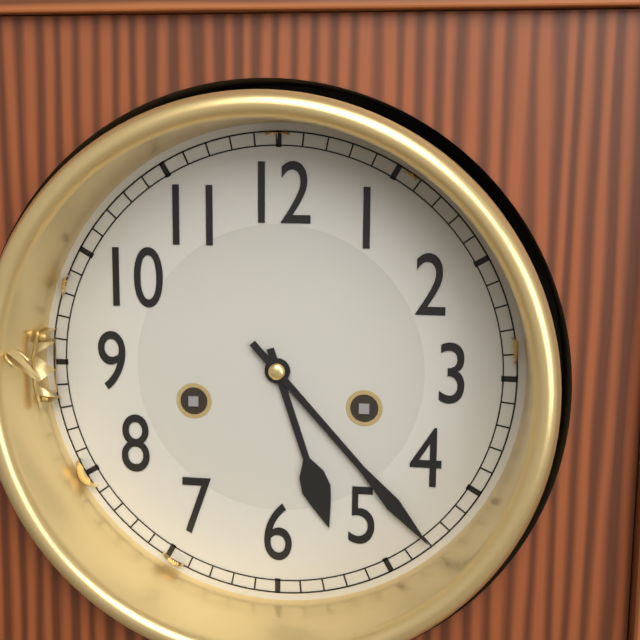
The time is 5h23
